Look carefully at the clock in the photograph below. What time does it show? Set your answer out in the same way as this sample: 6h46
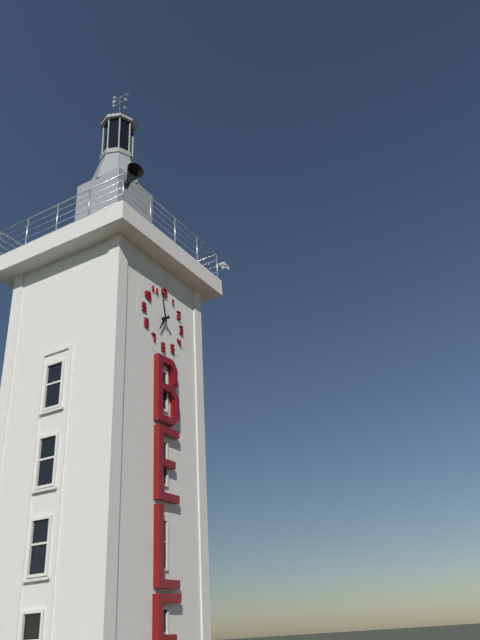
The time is 6h58
